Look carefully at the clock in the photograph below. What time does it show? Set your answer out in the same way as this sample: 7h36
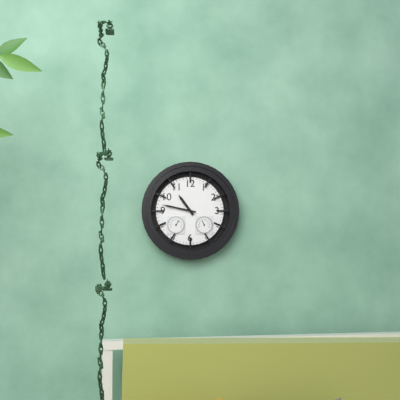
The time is 10h47
